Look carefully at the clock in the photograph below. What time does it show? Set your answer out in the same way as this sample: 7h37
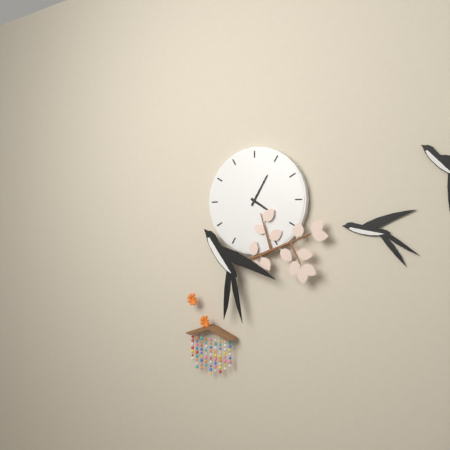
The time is 4h05
